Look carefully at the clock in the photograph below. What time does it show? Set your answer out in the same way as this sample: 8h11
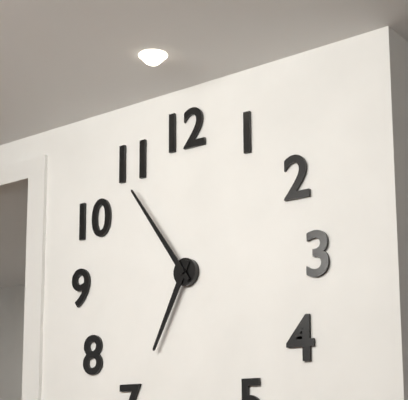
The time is 6h54
